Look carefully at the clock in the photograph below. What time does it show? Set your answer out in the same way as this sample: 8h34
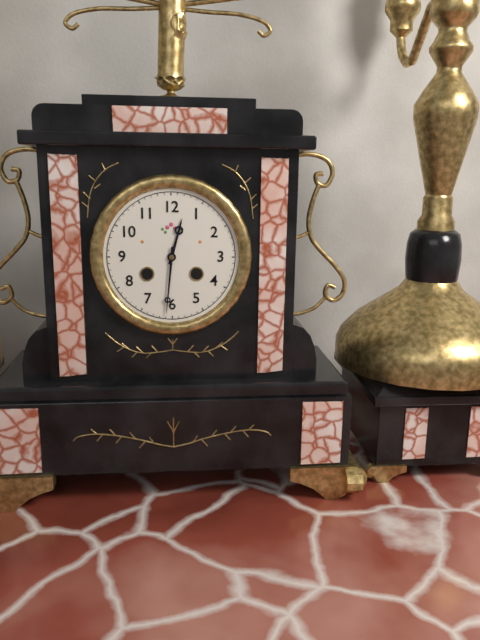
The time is 12h31
